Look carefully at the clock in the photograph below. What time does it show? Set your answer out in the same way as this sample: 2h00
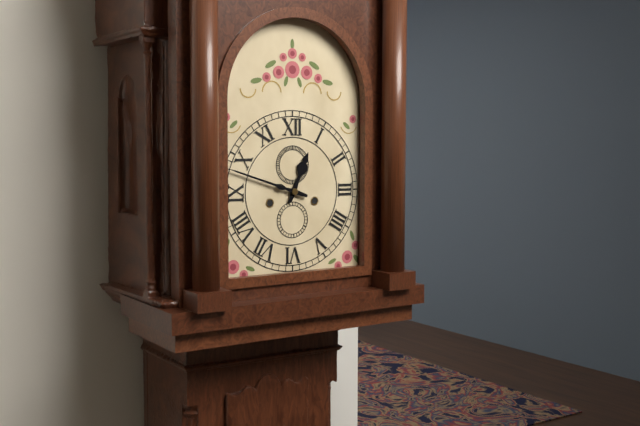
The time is 12h48
